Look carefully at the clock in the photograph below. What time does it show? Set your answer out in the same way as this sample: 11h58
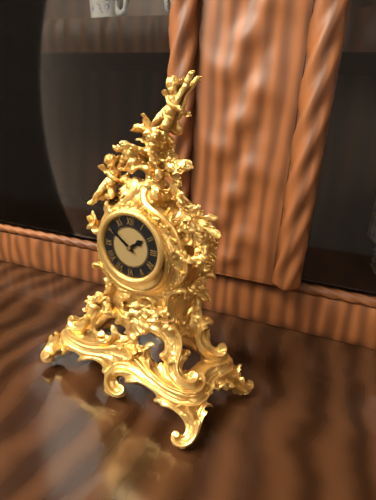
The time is 1h51
